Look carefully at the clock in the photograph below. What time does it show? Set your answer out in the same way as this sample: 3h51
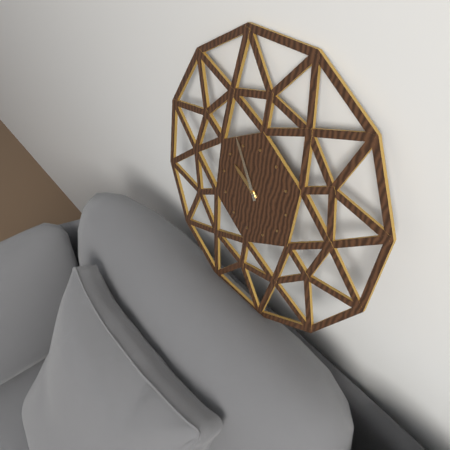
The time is 9h54
